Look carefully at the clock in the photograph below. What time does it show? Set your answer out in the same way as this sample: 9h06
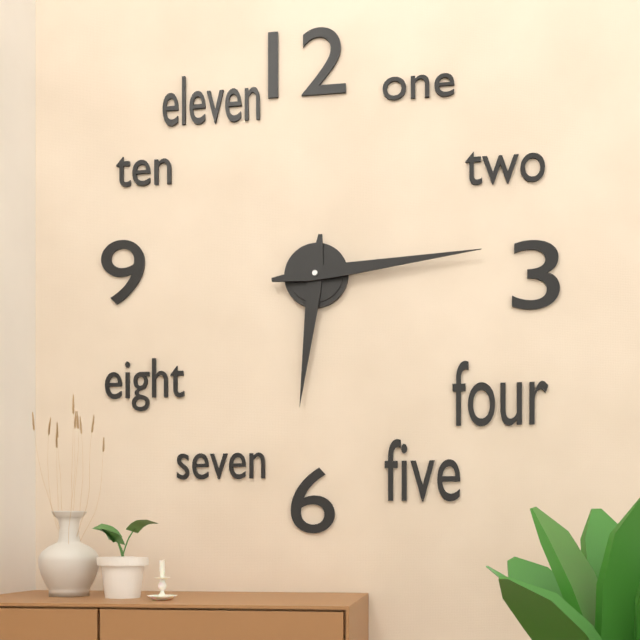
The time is 6h14
